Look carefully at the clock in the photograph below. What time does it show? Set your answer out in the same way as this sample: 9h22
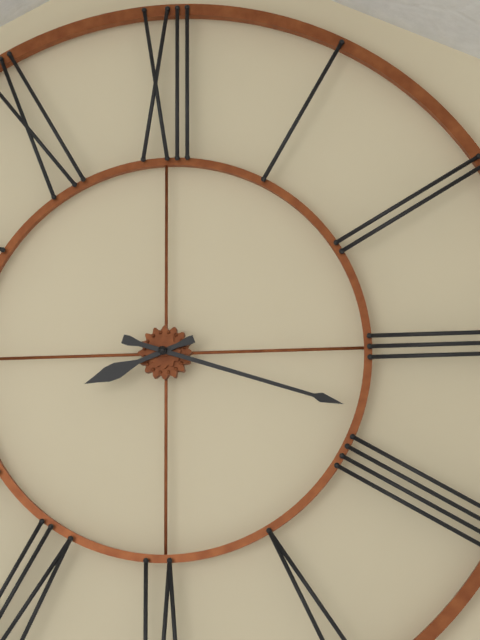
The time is 8h18
